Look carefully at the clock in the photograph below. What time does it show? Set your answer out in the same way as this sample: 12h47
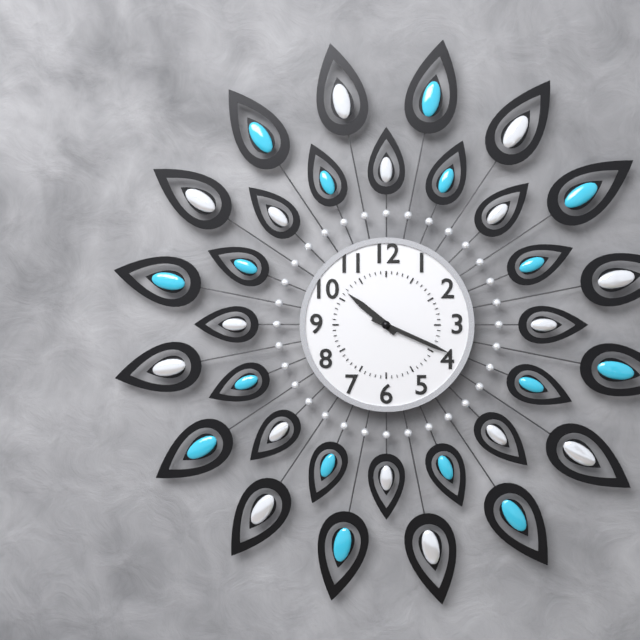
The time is 10h19
